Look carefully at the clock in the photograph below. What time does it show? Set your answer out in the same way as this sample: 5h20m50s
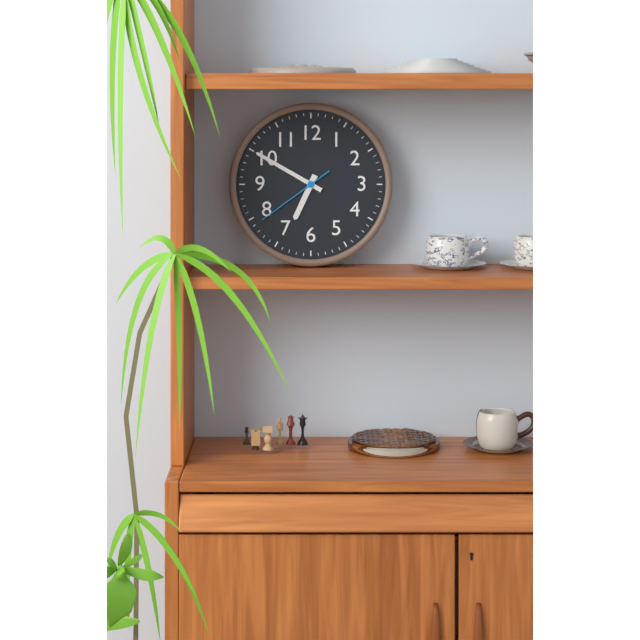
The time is 6h50m39s
